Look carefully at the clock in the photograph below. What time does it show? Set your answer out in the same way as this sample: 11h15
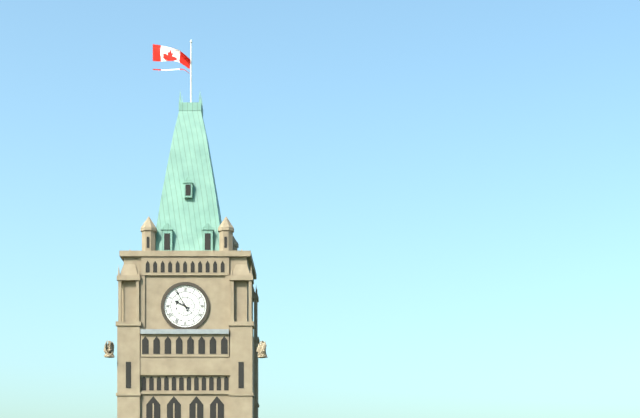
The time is 9h55
